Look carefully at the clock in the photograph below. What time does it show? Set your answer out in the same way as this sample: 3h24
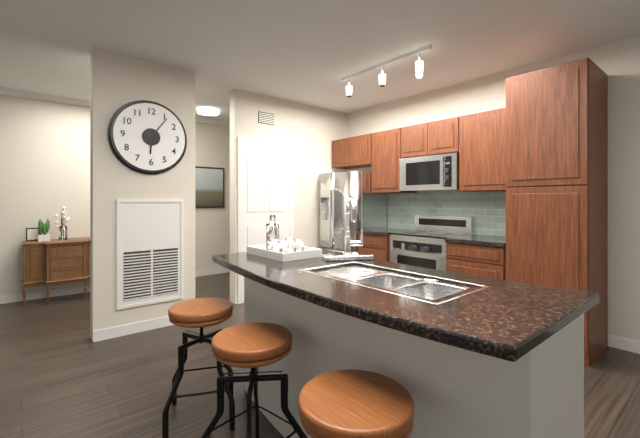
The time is 6h06
